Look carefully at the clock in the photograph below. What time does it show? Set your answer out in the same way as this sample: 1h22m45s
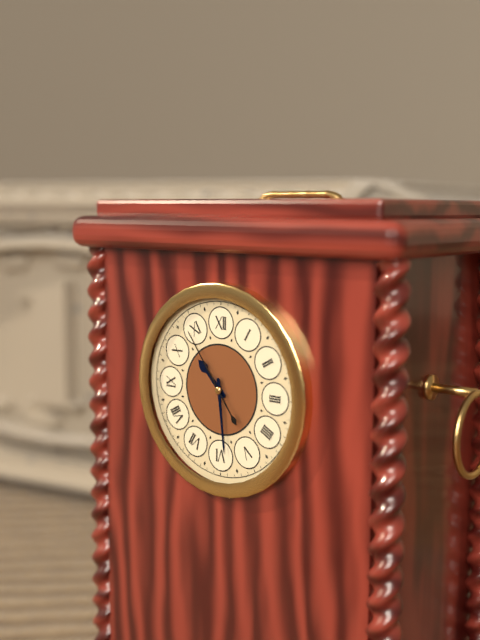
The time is 10h29m54s
